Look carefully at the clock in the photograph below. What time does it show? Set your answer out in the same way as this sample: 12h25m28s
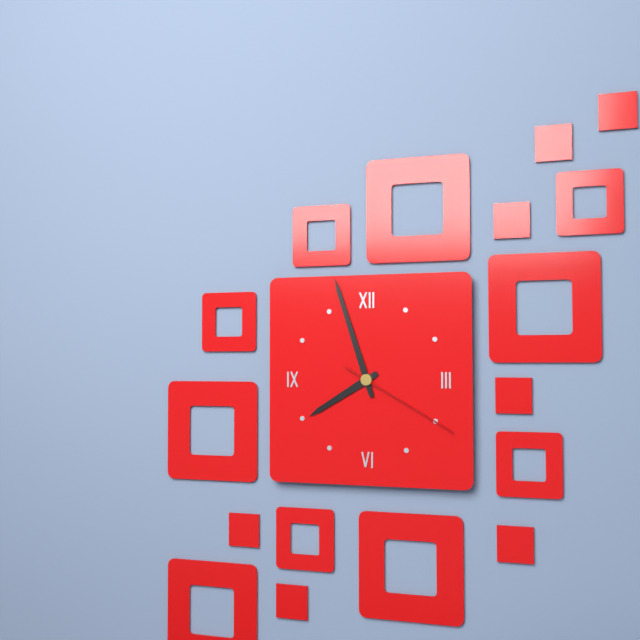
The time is 7h57m20s
